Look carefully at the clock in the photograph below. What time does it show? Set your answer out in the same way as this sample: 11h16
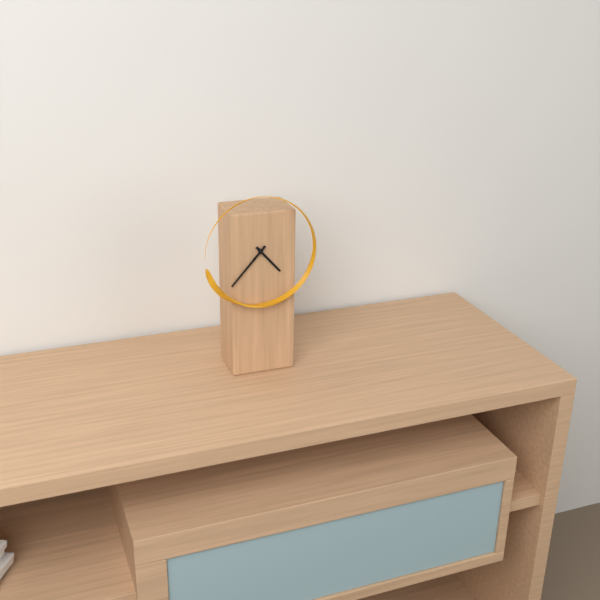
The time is 4h37
